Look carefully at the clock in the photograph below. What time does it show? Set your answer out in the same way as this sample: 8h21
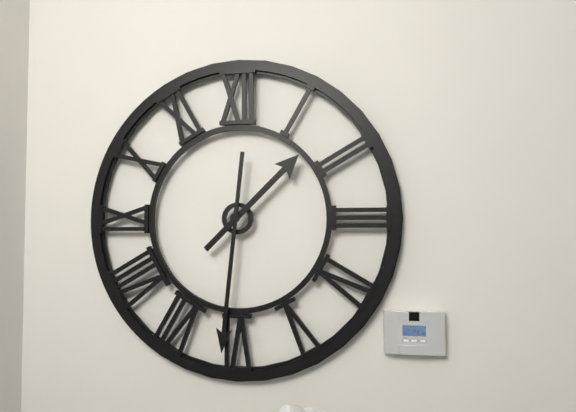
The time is 1h31
